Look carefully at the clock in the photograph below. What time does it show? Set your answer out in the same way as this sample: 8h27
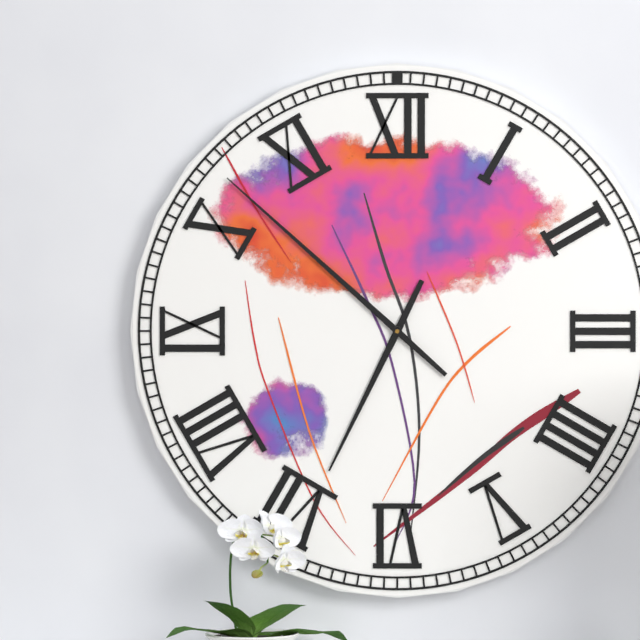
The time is 6h52
